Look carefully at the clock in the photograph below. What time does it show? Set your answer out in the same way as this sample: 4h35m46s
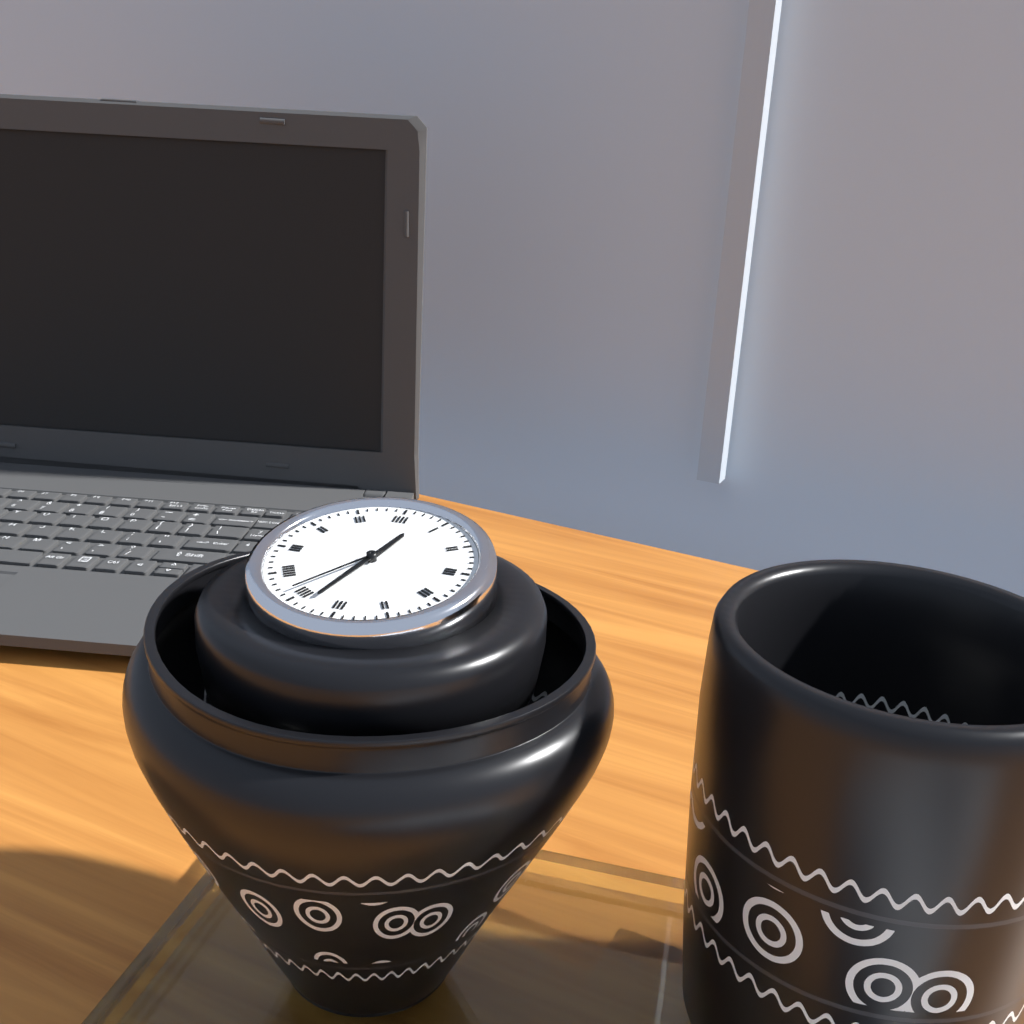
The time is 12h33m36s
